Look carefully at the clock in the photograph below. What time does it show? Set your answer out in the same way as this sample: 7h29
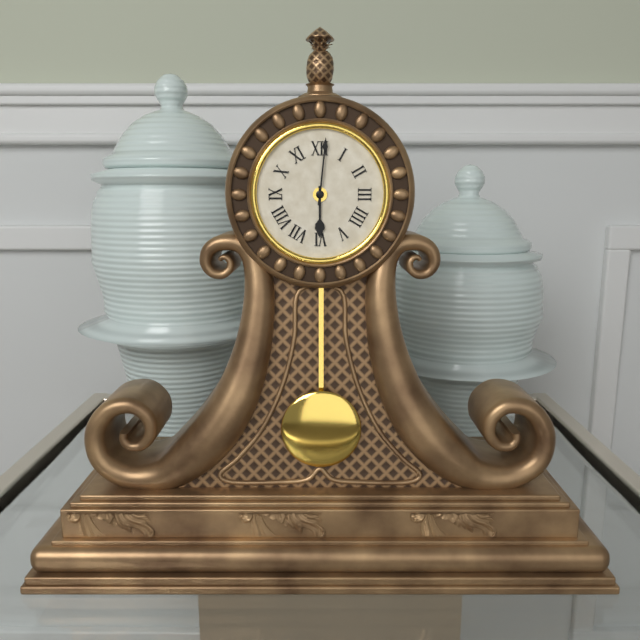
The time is 6h01
